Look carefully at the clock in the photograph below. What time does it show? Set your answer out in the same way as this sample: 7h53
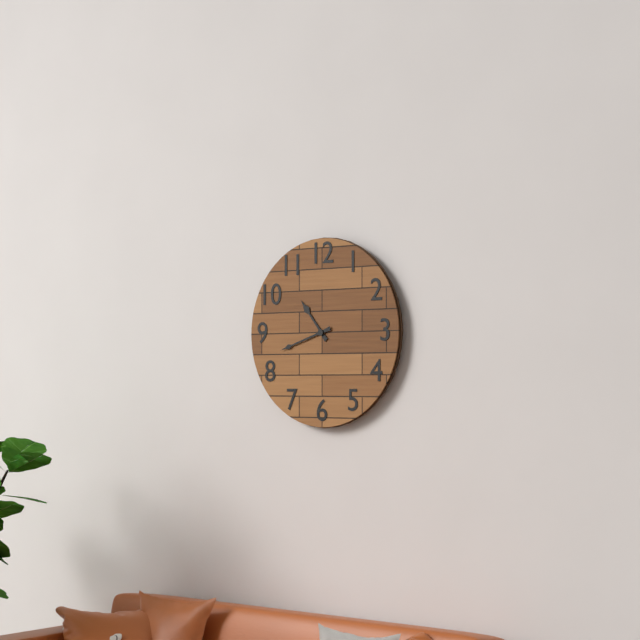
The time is 10h42
